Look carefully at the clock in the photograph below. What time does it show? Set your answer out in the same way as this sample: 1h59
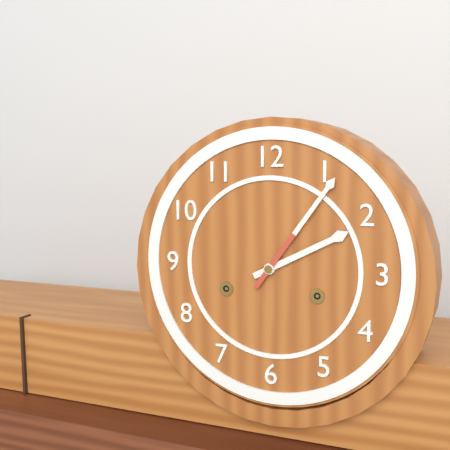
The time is 2h06
